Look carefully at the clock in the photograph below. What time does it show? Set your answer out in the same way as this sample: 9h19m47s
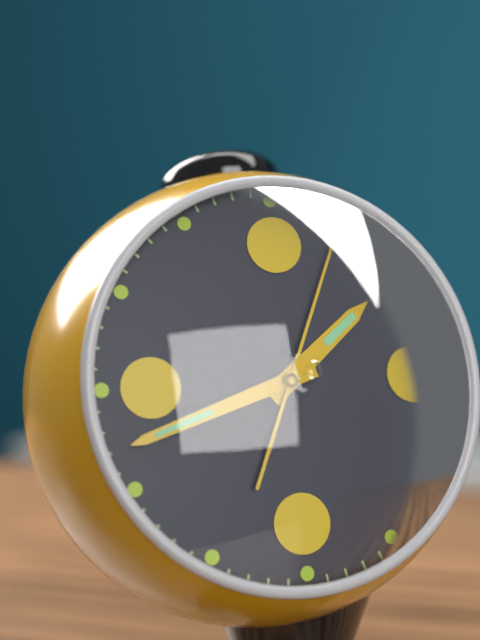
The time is 1h42m04s
